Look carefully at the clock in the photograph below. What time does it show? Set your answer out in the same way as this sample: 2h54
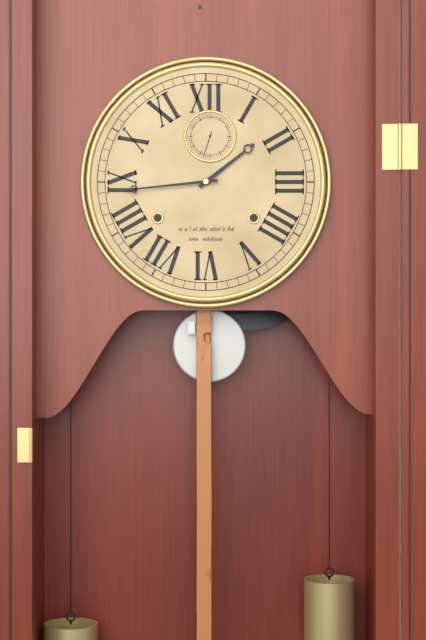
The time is 1h44
